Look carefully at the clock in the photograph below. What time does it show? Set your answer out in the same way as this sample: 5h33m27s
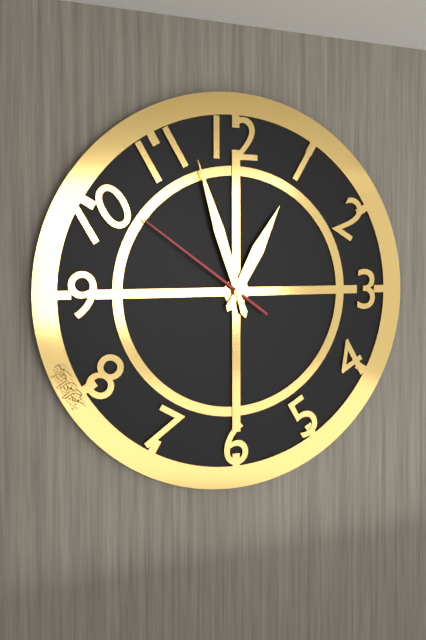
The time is 12h57m51s
